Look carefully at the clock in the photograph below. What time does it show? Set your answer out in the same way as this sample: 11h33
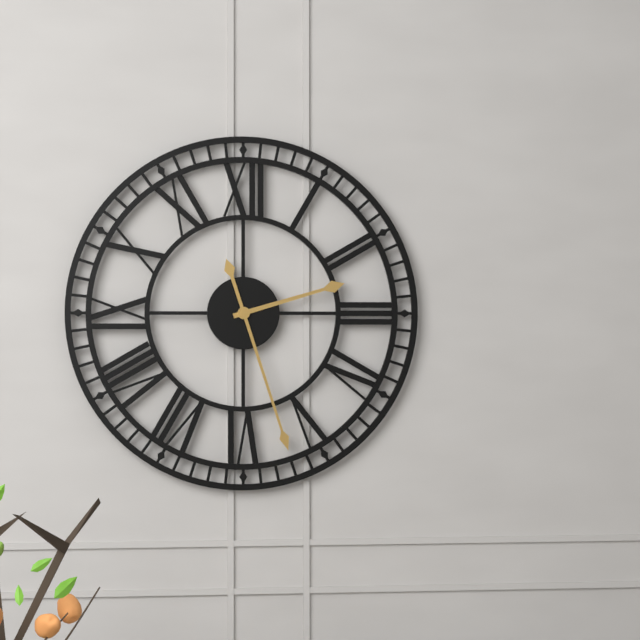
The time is 2h27
